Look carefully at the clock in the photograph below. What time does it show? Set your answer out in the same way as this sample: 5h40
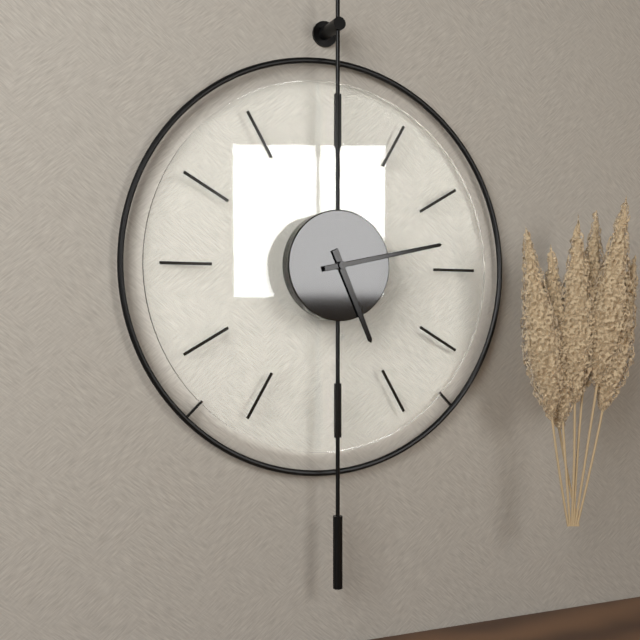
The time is 5h13
